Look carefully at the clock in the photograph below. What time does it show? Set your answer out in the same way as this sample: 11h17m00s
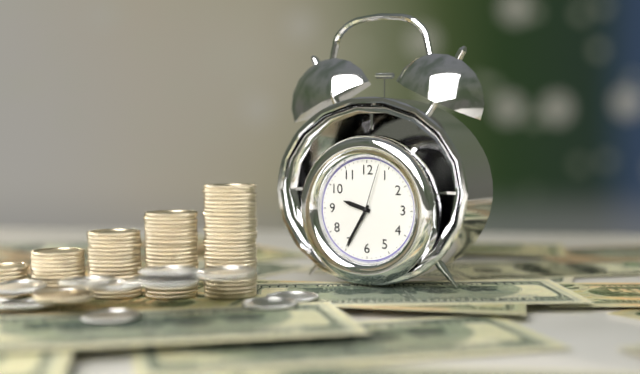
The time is 9h35m03s
